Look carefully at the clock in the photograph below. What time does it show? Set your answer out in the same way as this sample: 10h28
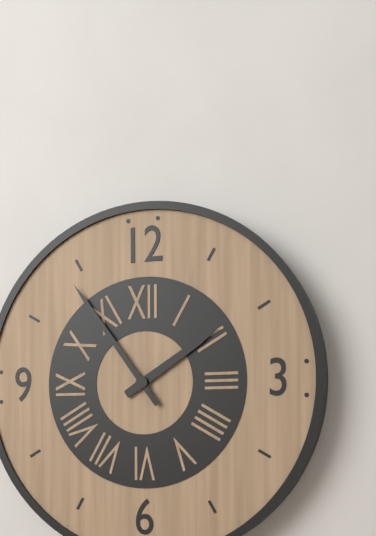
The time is 1h54
